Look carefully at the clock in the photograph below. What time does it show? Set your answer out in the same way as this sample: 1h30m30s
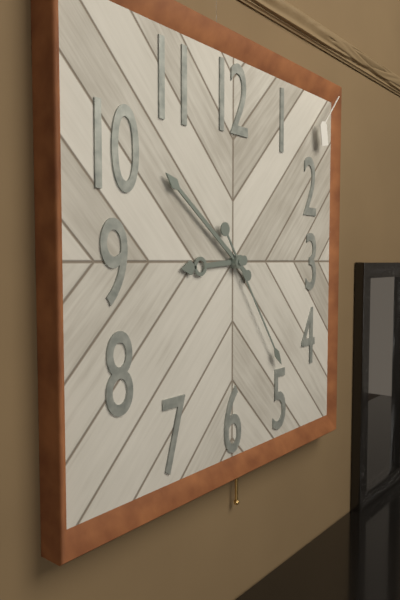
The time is 8h51m24s
